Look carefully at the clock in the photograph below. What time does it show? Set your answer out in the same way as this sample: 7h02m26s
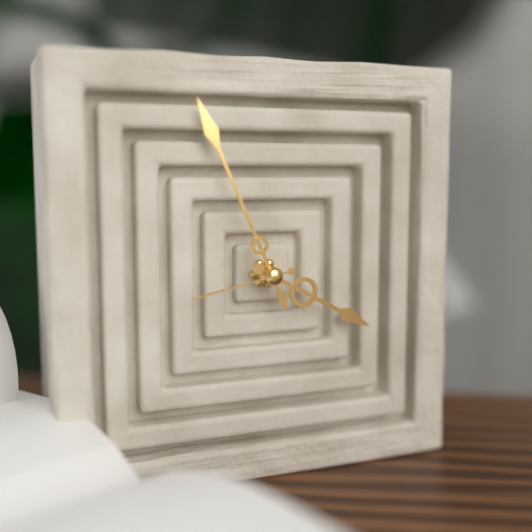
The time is 3h56m43s
